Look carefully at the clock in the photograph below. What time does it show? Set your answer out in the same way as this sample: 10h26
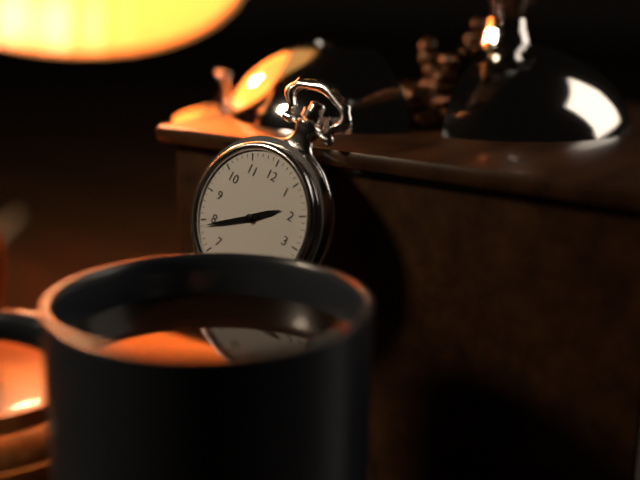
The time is 1h39
